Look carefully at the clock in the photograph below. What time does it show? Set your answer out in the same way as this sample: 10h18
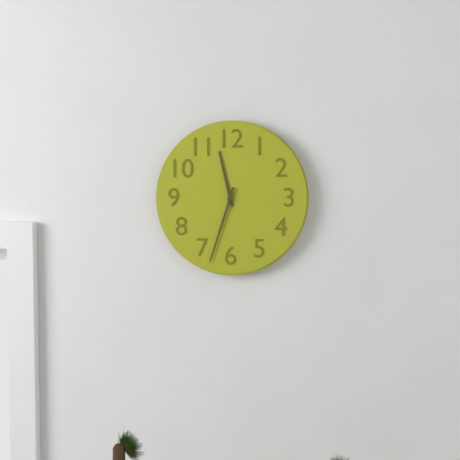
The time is 11h33
